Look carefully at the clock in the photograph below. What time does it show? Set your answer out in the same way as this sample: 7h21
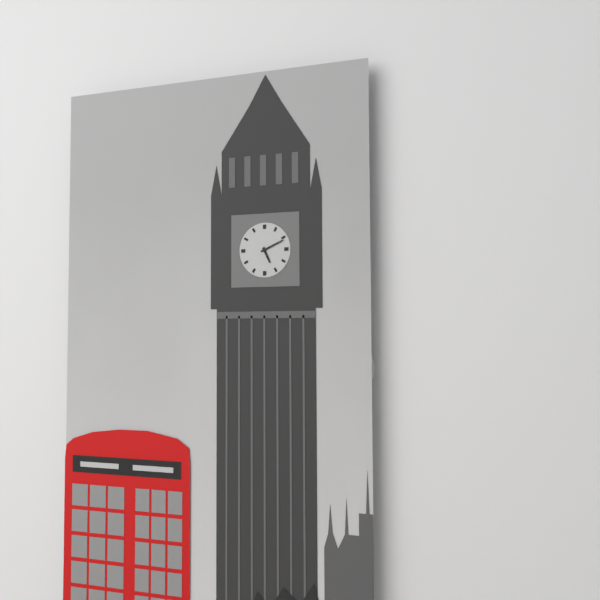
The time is 5h11
